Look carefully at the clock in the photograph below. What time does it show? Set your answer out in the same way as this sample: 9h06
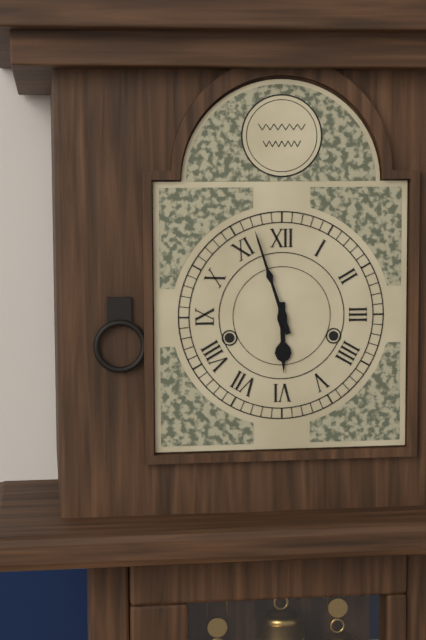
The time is 5h57
